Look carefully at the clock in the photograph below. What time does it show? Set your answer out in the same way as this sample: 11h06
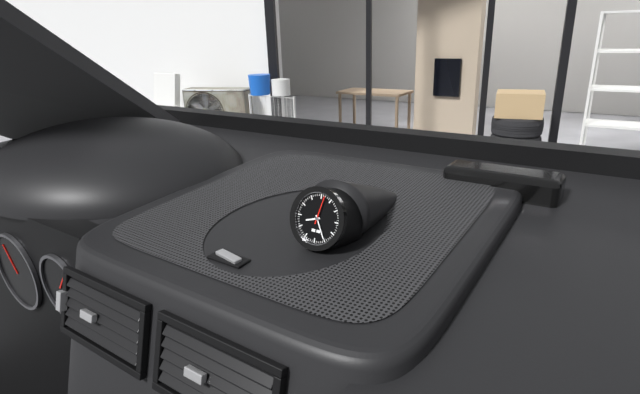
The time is 8h25
